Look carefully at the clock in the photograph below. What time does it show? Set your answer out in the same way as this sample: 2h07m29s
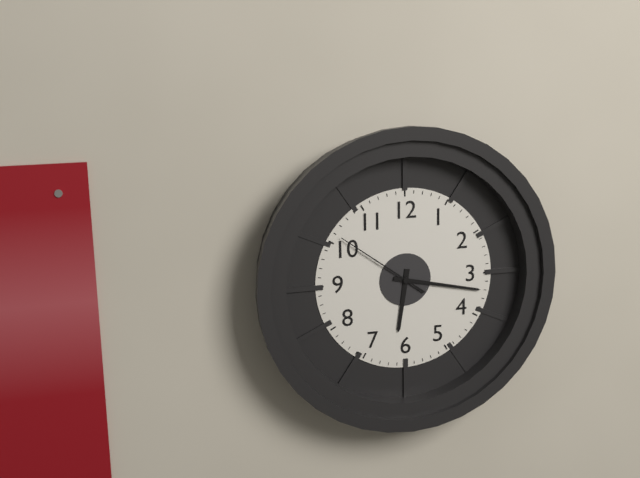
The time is 6h17m51s
